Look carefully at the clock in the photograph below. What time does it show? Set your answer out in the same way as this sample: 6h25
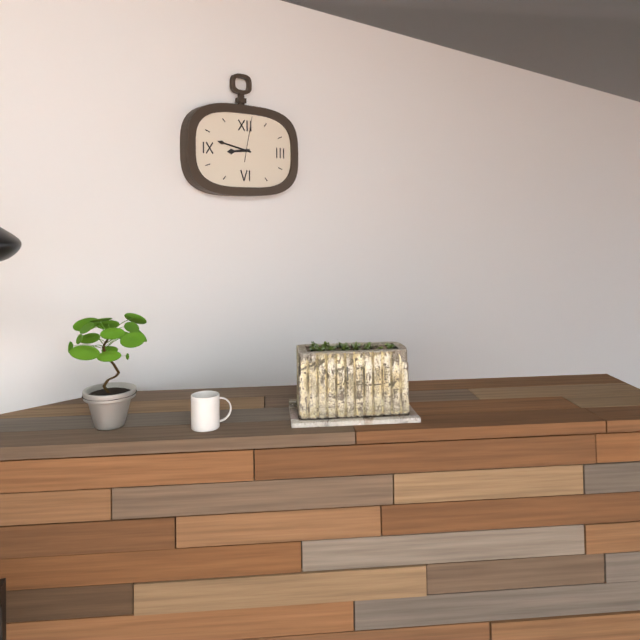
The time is 8h47
